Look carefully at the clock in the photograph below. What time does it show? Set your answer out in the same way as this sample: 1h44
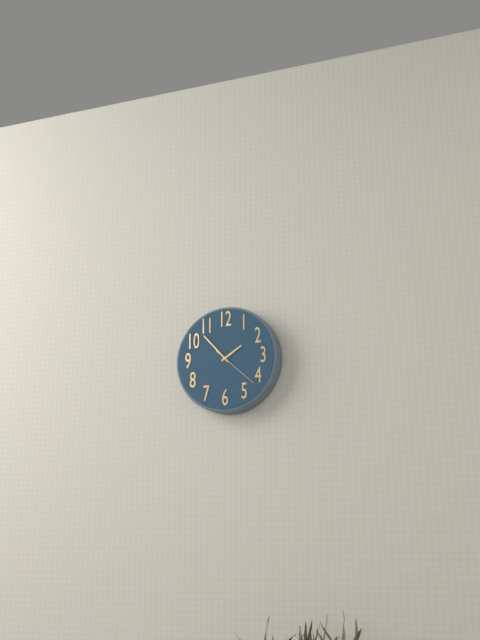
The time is 1h53
